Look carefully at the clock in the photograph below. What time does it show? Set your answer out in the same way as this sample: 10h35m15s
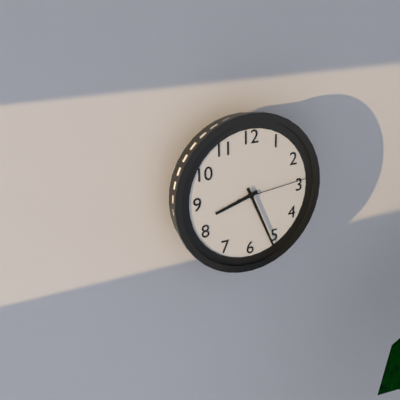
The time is 8h26m14s
